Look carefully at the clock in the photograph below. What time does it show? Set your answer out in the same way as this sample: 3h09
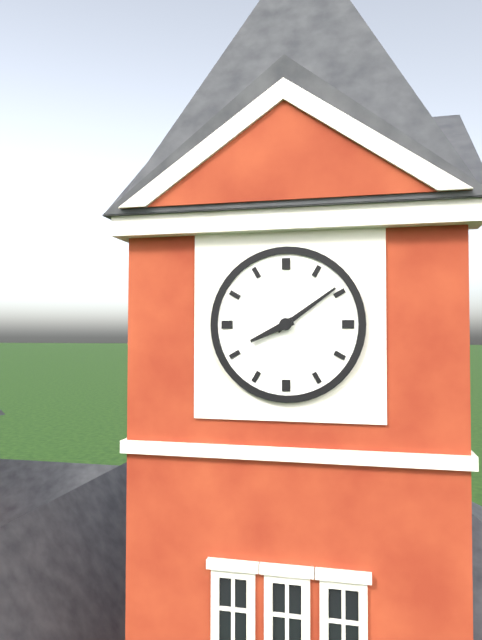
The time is 8h09
